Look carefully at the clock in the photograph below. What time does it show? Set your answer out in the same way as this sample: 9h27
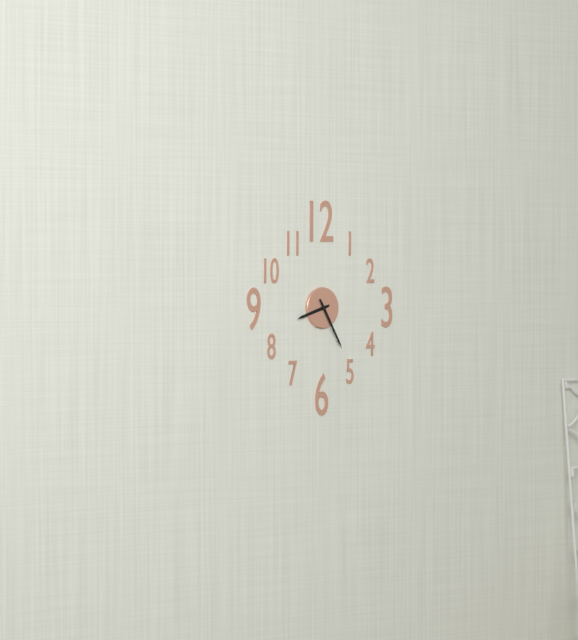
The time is 8h25
